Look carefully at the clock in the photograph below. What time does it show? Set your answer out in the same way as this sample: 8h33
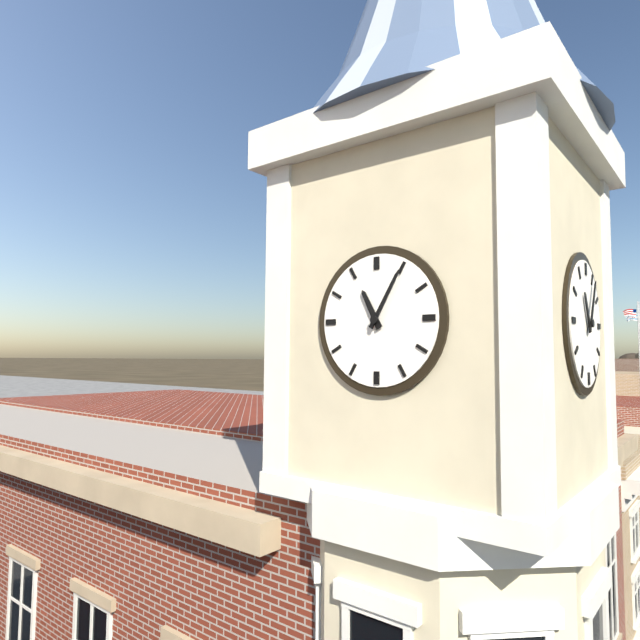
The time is 11h05
